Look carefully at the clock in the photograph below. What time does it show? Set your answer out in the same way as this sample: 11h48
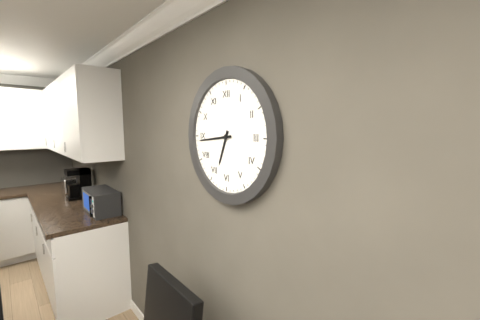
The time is 6h44
